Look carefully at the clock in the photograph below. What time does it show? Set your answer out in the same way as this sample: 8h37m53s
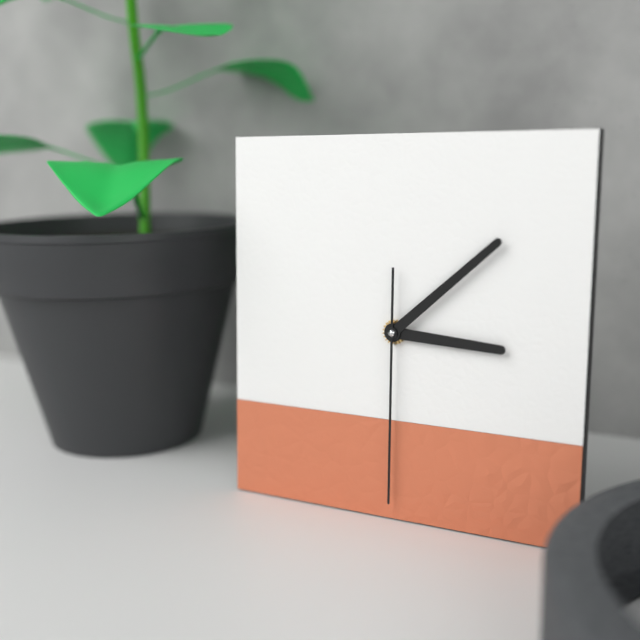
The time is 3h08m30s
